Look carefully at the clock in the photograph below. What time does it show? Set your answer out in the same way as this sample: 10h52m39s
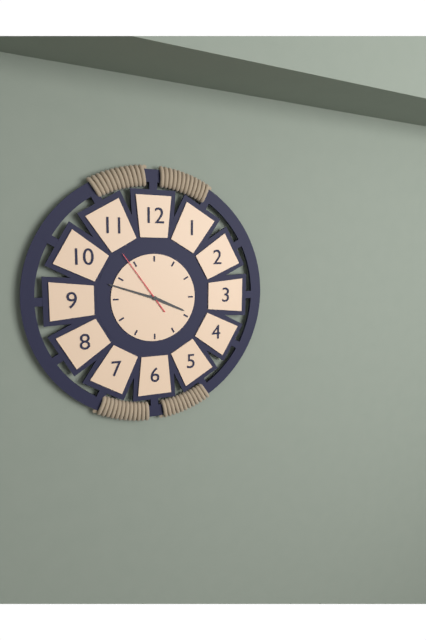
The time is 3h48m54s
